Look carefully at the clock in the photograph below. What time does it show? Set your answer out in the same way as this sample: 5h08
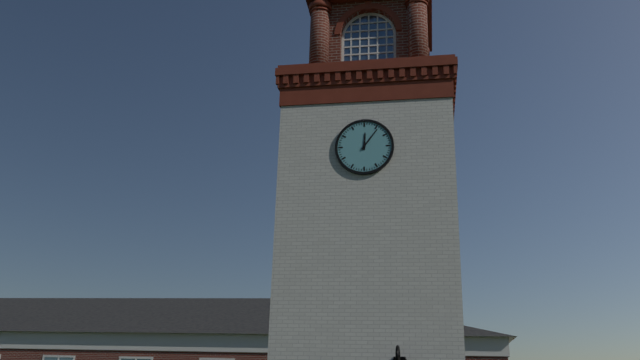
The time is 12h06
